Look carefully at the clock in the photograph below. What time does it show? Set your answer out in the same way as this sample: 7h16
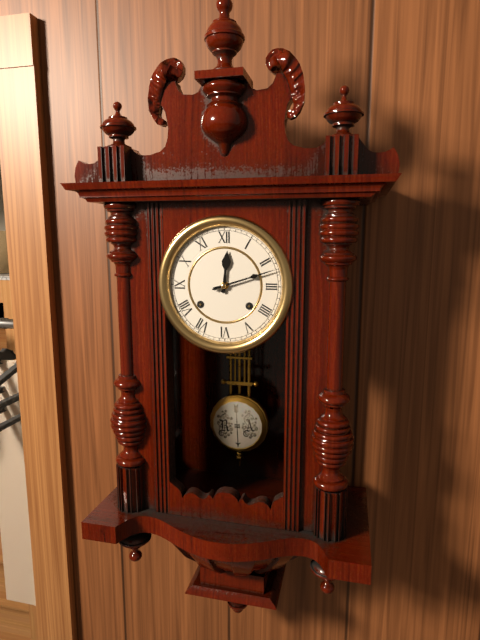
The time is 12h12
